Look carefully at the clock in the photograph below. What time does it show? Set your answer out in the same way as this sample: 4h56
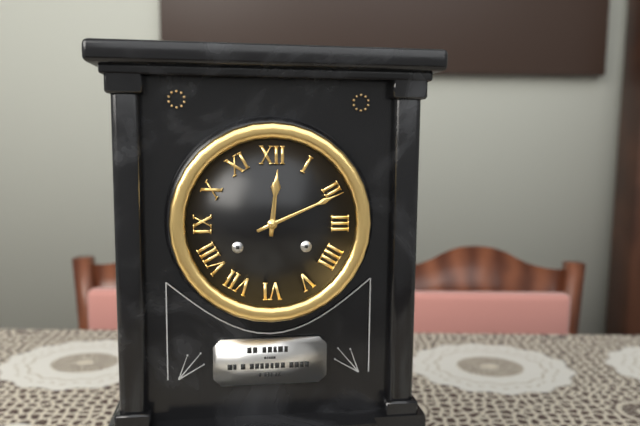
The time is 12h11
